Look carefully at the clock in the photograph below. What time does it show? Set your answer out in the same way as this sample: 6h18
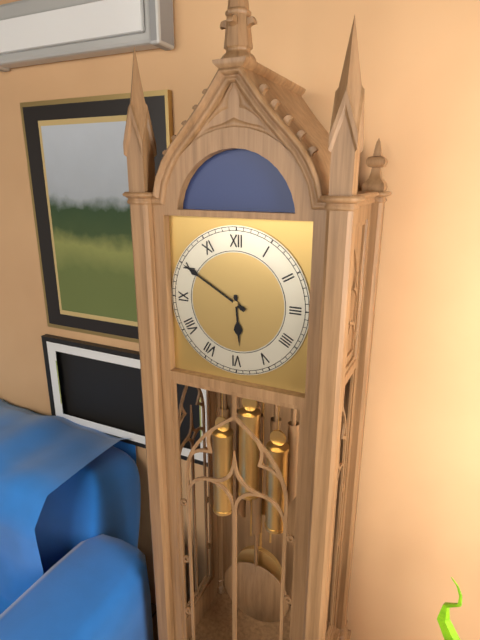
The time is 5h50
